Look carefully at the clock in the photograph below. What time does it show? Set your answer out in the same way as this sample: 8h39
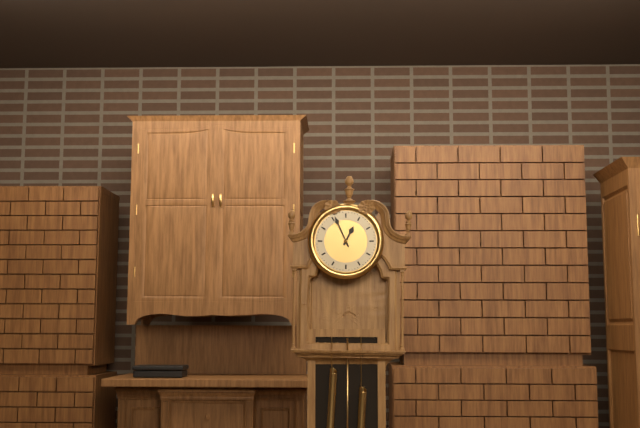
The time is 12h56
